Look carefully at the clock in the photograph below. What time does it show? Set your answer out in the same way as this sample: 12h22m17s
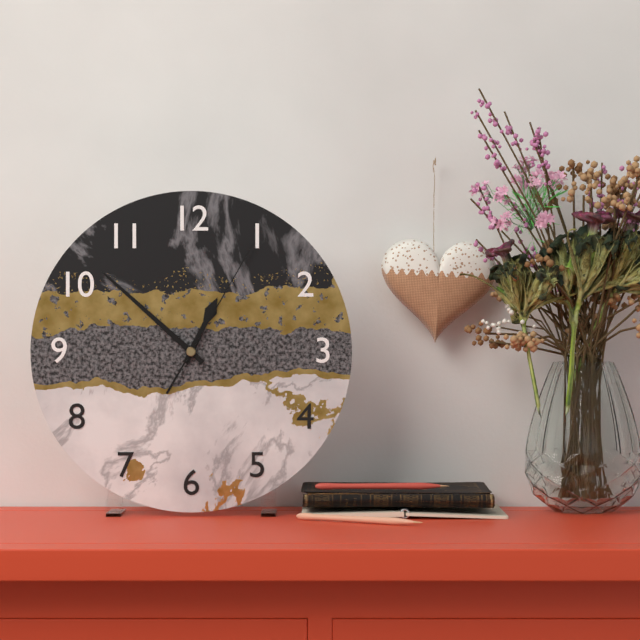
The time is 12h52m05s
